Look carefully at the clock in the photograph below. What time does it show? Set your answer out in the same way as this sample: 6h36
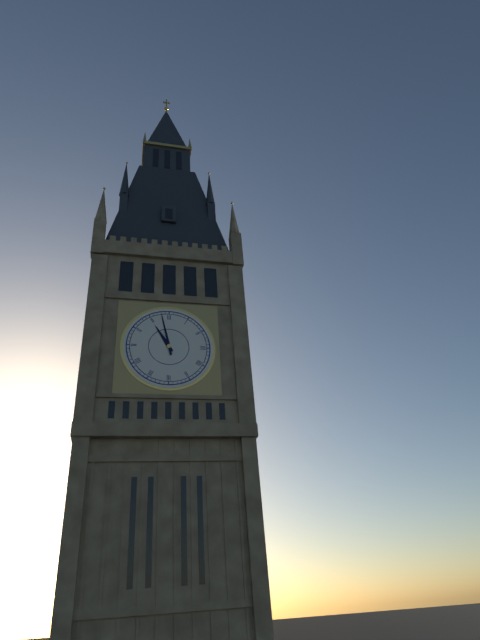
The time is 10h58
